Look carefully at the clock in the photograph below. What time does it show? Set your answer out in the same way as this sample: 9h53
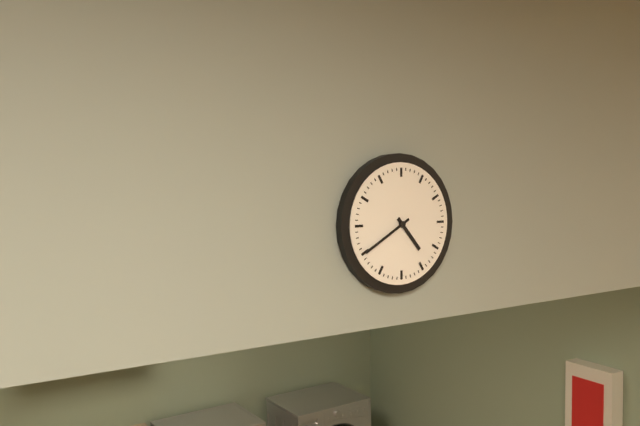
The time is 4h40
